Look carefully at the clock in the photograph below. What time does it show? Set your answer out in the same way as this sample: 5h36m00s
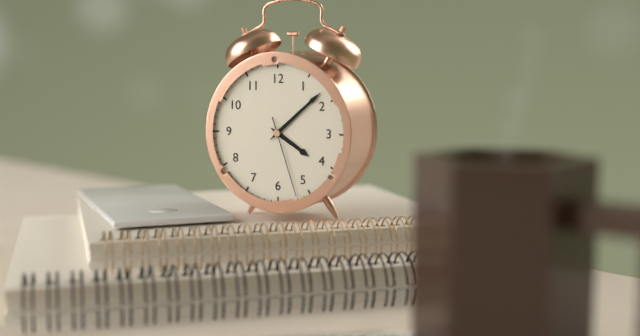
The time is 4h08m27s
